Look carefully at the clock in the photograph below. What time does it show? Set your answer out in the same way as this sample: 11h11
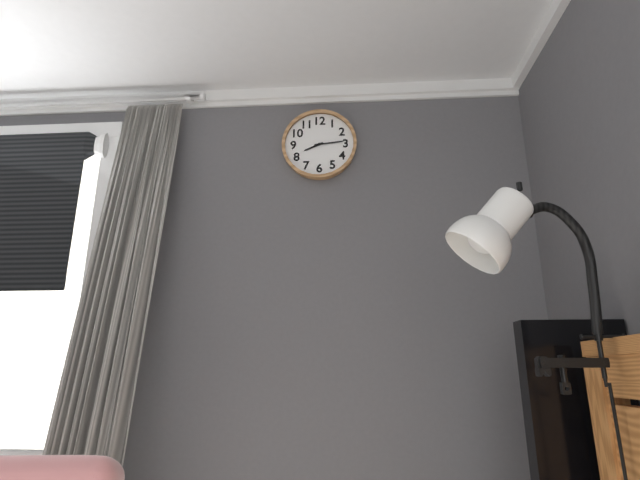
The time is 8h14
